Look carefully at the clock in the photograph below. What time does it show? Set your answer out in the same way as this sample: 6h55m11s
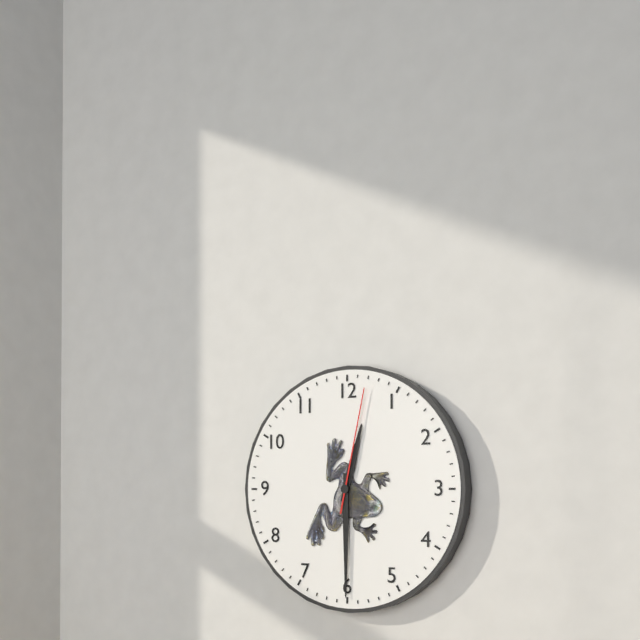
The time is 12h30m02s
